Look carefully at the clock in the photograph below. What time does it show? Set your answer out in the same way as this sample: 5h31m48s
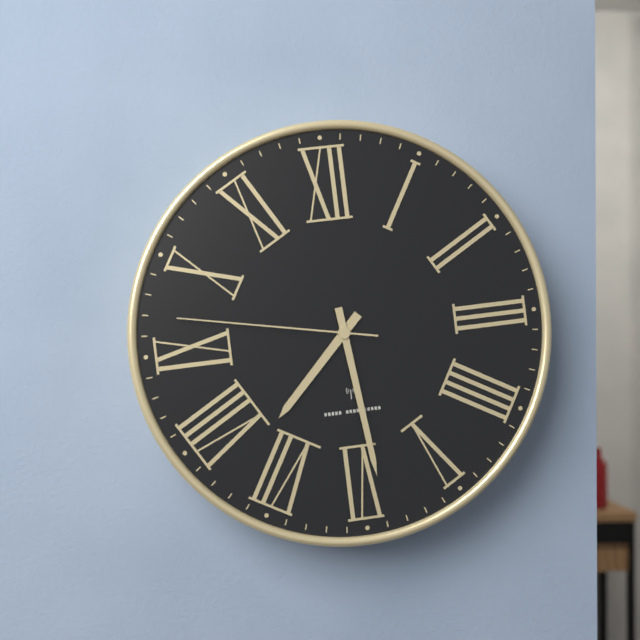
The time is 7h29m47s
